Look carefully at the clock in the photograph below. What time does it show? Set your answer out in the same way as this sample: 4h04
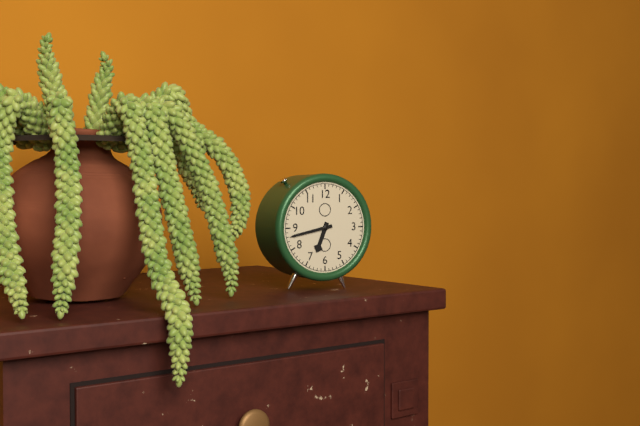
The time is 6h43
